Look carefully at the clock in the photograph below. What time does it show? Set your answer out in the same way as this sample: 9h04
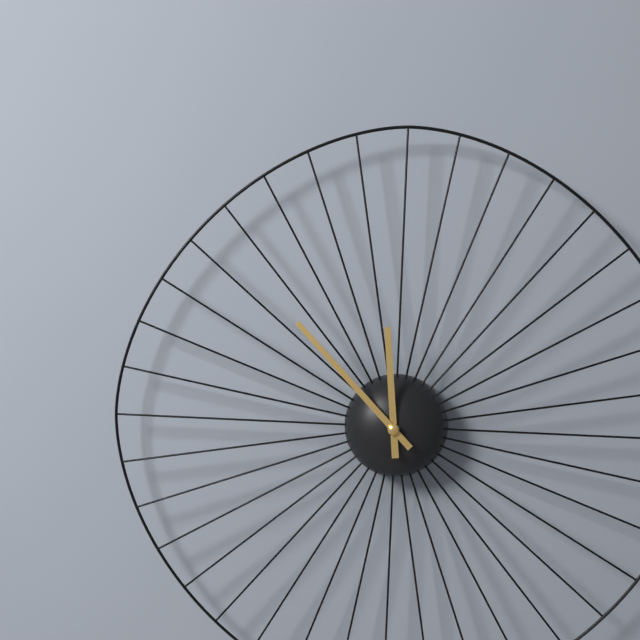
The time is 11h53
